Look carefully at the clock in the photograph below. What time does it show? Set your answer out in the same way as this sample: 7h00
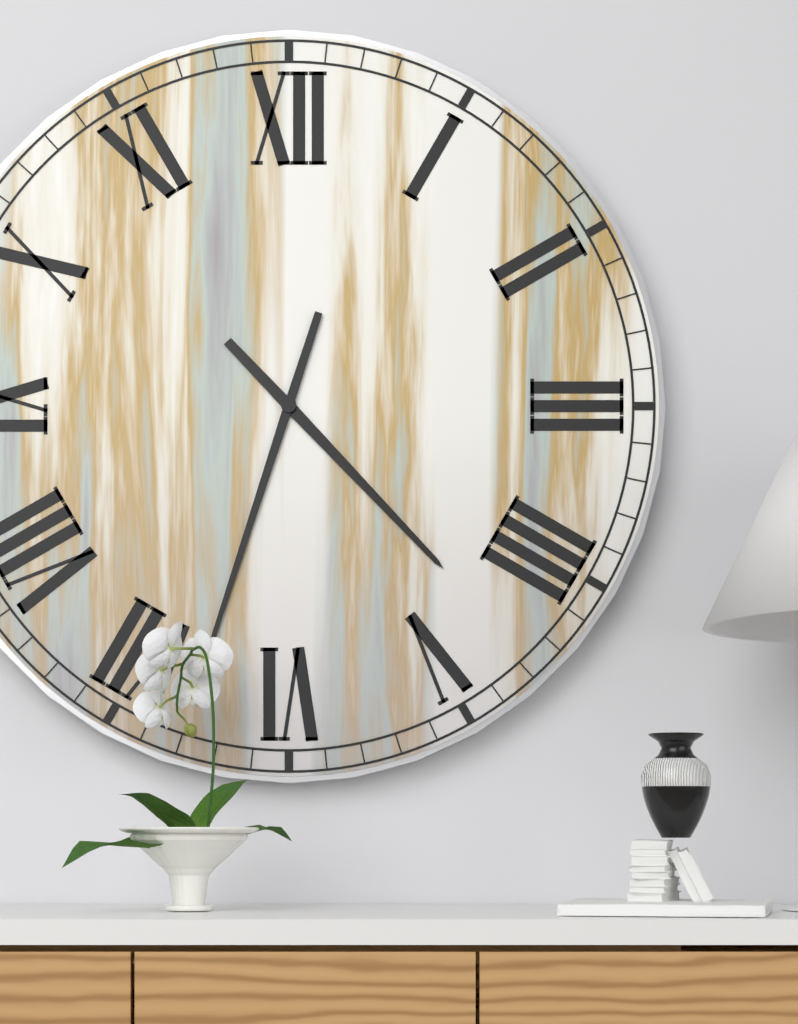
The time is 4h33
